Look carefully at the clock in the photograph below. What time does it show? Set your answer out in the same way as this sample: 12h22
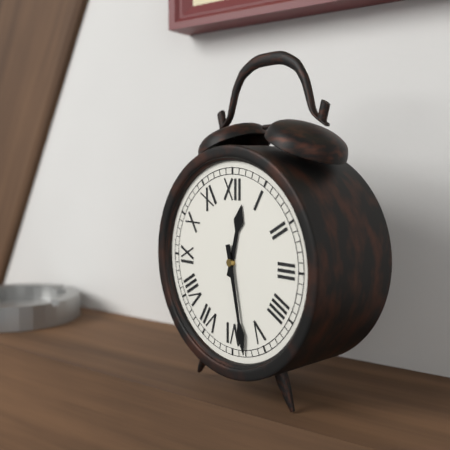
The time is 12h28
